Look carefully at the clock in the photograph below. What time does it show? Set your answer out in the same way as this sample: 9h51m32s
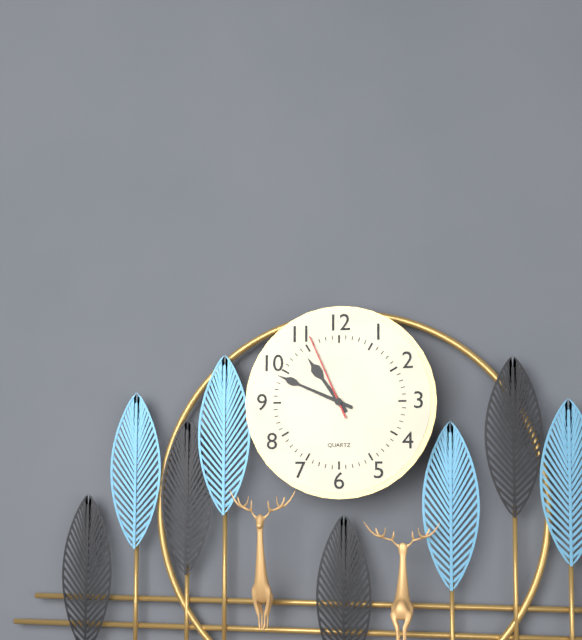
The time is 10h49m56s
